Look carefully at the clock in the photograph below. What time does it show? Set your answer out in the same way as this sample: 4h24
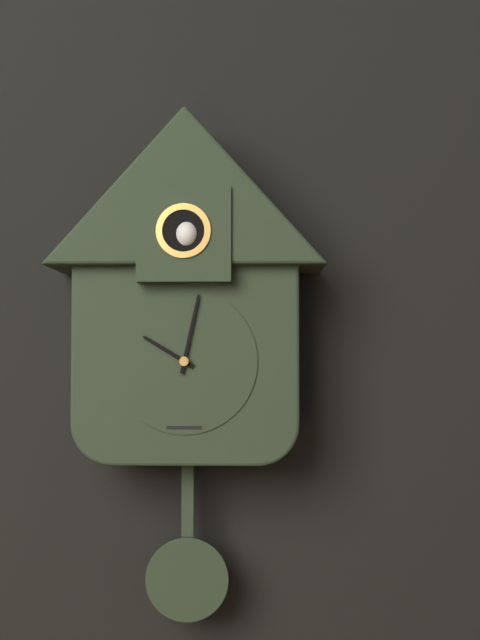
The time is 10h02
